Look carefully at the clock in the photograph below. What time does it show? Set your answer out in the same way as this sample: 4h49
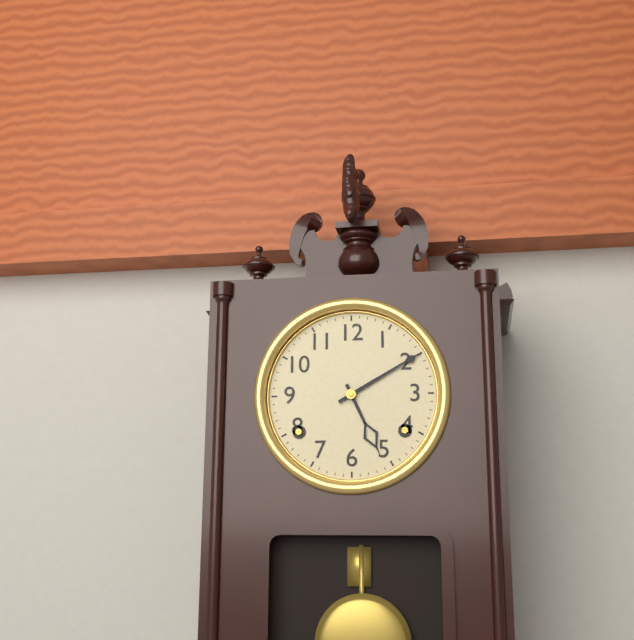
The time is 5h10
